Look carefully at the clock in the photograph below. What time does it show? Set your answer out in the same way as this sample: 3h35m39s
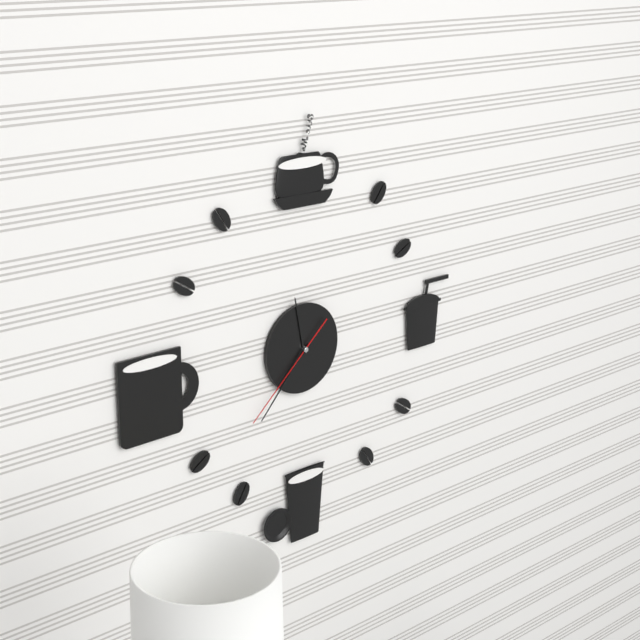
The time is 11h37m38s
